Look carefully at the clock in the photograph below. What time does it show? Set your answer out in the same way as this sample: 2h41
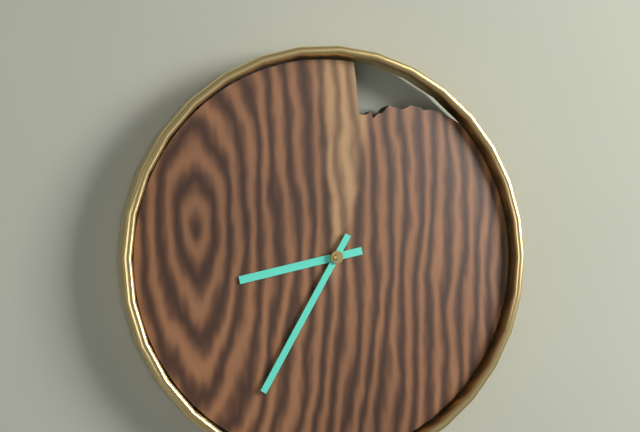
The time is 8h35
